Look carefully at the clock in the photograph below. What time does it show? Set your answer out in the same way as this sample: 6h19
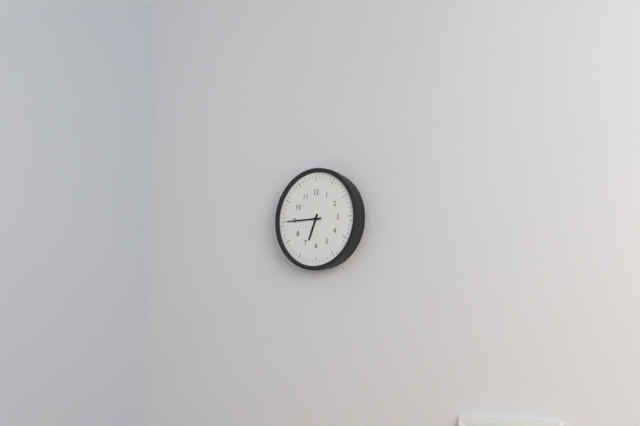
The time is 6h45
